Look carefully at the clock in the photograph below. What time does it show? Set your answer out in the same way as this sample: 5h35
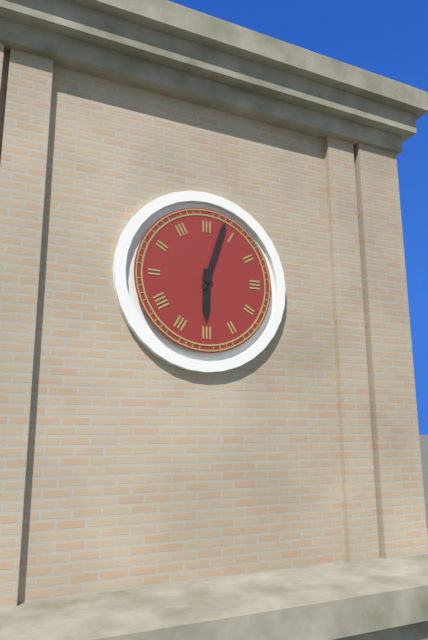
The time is 6h03
